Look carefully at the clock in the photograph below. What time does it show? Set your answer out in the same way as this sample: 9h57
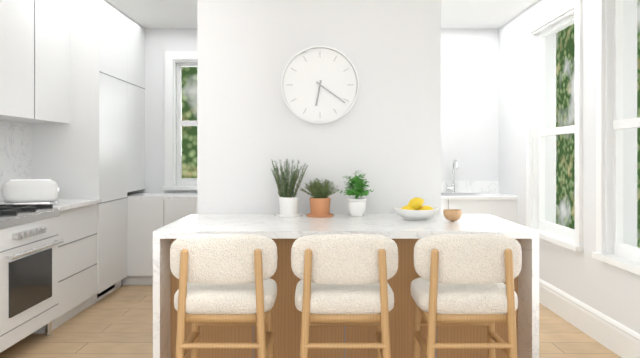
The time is 6h21
